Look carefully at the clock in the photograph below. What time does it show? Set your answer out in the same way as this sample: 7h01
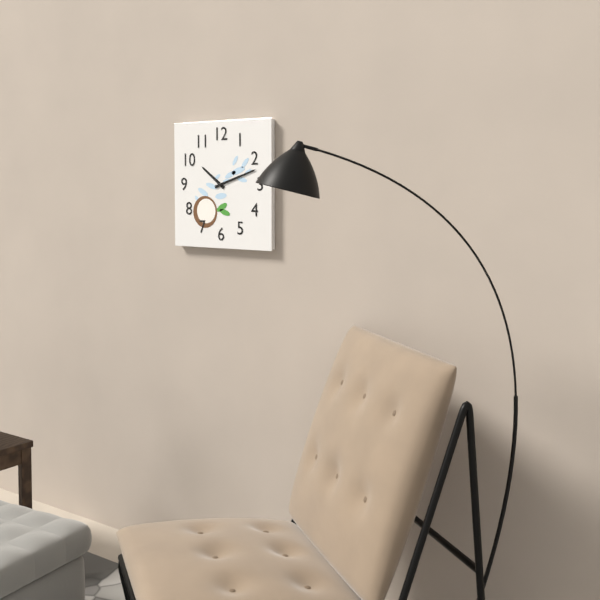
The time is 10h12
